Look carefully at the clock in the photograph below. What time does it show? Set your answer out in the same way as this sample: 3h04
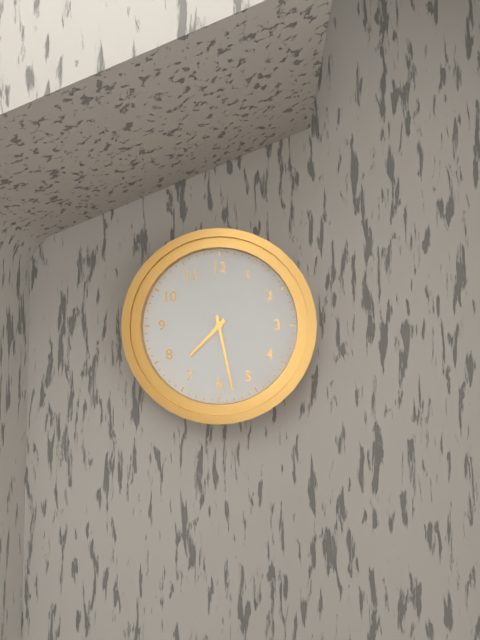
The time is 7h28
